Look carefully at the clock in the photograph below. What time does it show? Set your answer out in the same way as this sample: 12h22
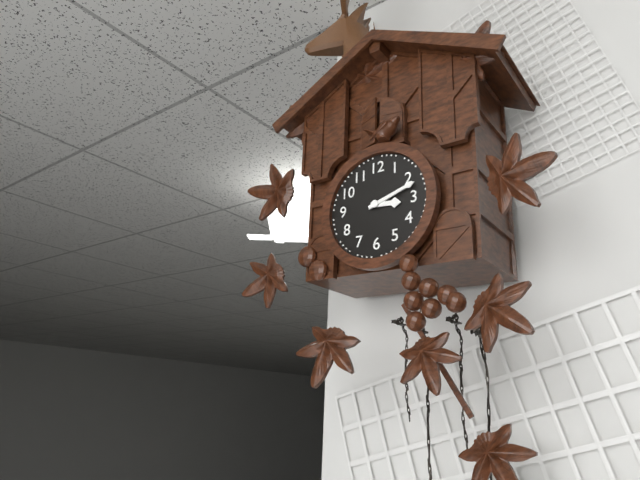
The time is 3h12
